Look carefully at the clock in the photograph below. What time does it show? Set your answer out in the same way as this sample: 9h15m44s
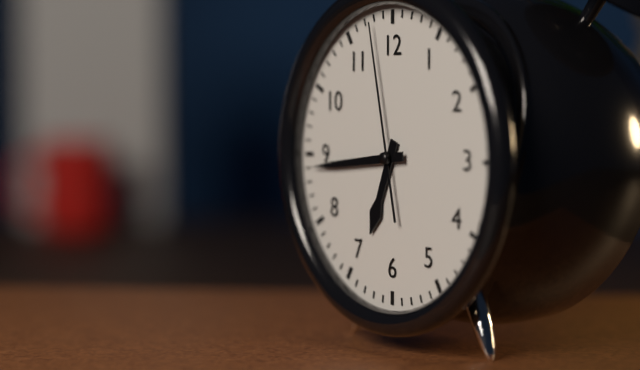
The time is 6h44m58s
